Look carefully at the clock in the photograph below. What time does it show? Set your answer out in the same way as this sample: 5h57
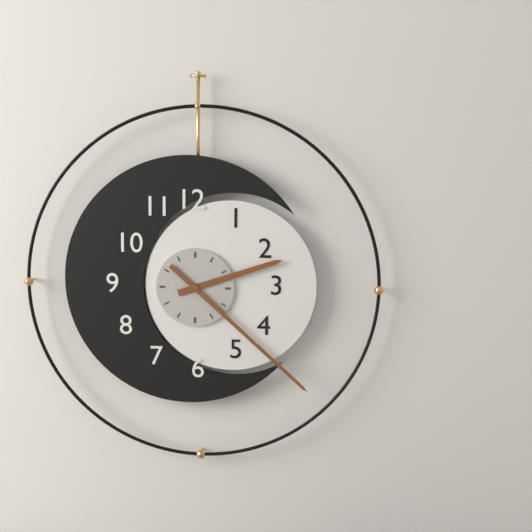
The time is 2h22
